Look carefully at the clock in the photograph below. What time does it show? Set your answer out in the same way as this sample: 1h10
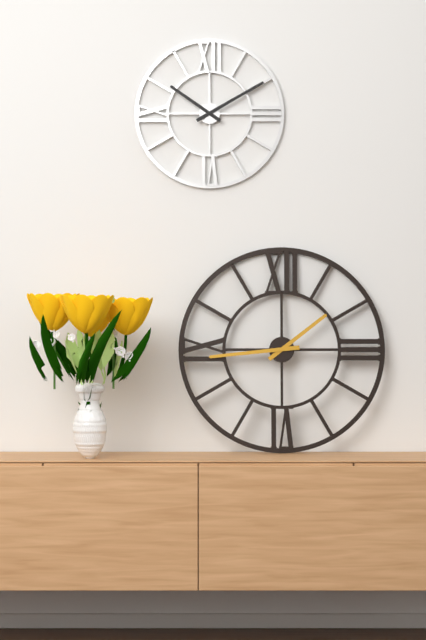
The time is 1h44
